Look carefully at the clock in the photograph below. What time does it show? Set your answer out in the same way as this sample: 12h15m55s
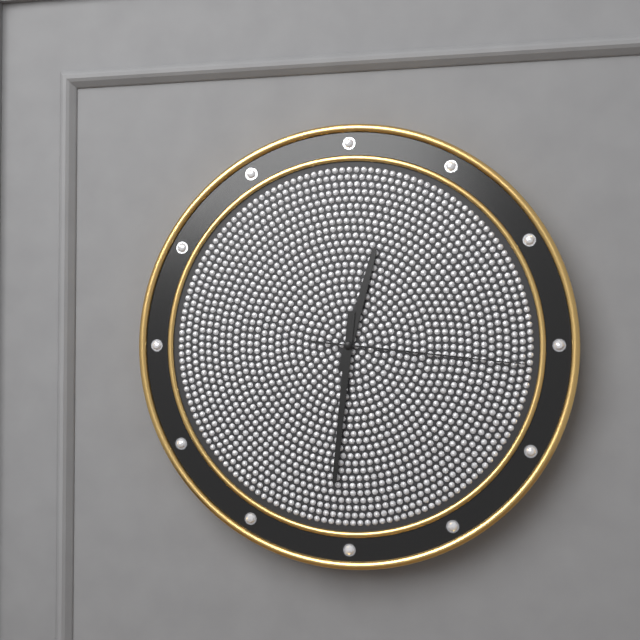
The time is 12h31m16s
